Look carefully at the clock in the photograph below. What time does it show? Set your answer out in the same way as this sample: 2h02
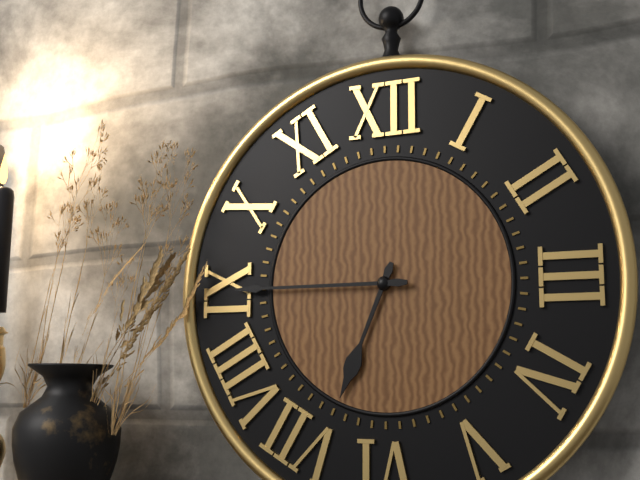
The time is 6h45
